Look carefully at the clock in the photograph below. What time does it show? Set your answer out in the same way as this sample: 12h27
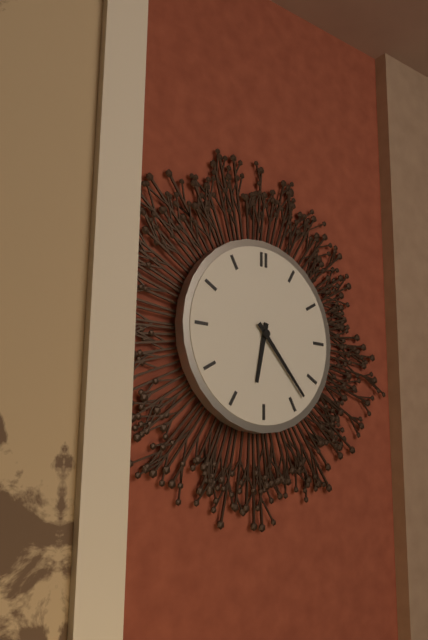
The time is 6h23
